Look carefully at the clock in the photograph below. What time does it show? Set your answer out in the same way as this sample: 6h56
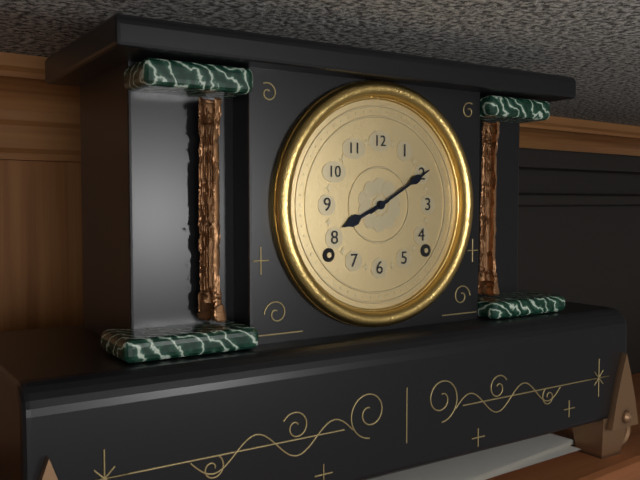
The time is 8h10
